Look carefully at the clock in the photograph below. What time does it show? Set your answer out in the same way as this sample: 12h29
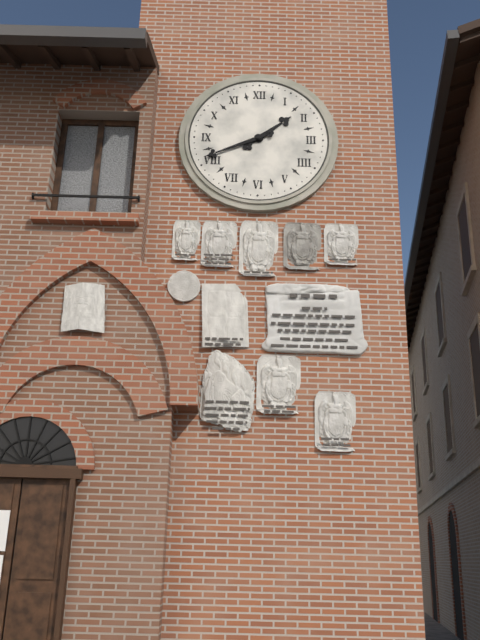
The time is 1h41
